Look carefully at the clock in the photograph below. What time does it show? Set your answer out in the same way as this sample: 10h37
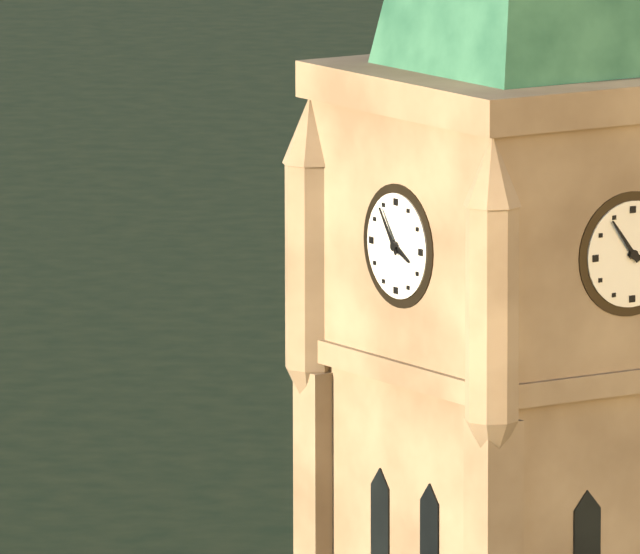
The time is 3h54
